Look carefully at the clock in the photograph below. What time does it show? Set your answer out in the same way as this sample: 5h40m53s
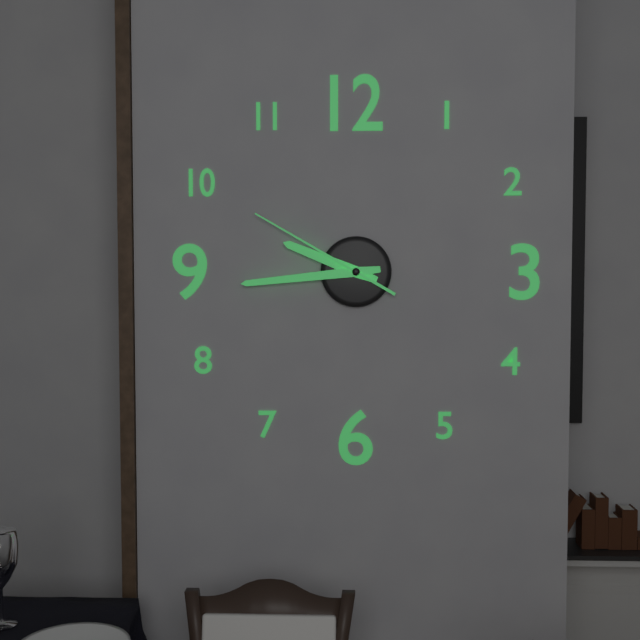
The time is 9h44m50s
